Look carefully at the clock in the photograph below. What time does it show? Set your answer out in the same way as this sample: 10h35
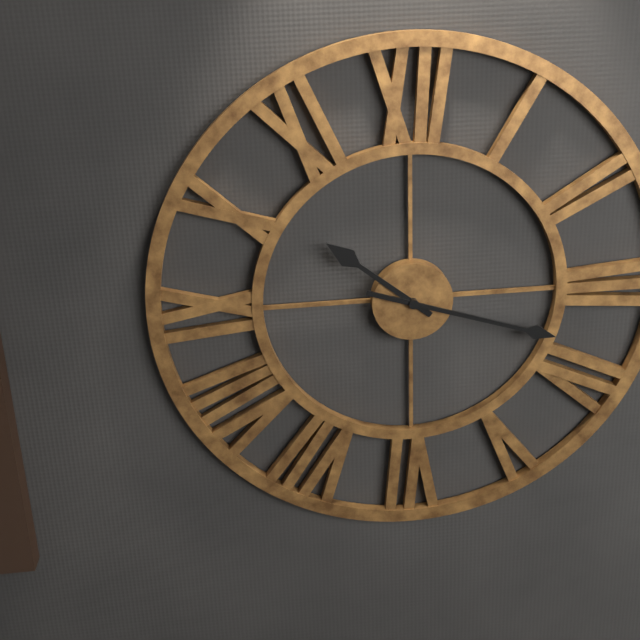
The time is 10h18
